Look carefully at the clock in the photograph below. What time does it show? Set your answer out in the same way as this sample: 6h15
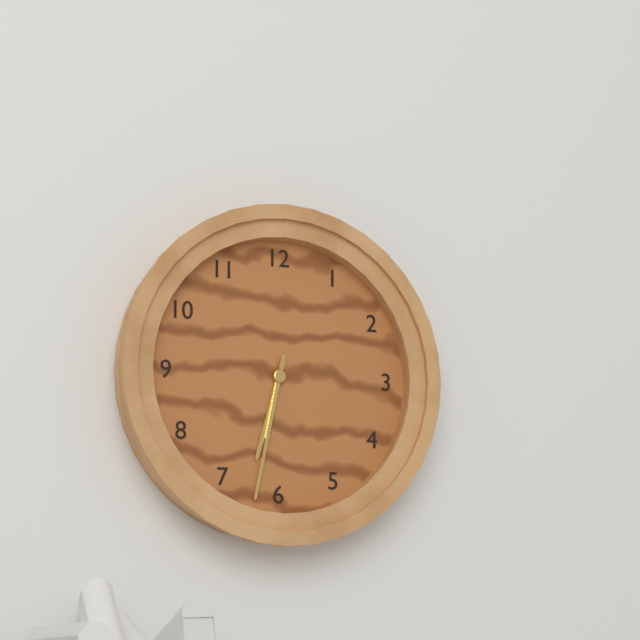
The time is 6h32
